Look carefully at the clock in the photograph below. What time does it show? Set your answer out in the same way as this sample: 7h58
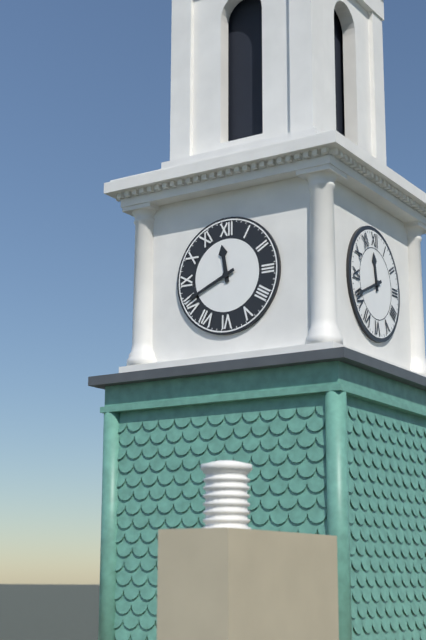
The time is 11h41
